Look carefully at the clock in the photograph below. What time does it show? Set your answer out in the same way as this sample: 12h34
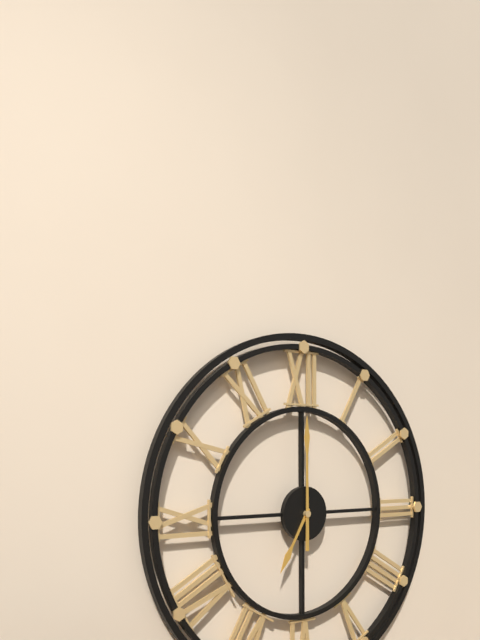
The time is 7h00
